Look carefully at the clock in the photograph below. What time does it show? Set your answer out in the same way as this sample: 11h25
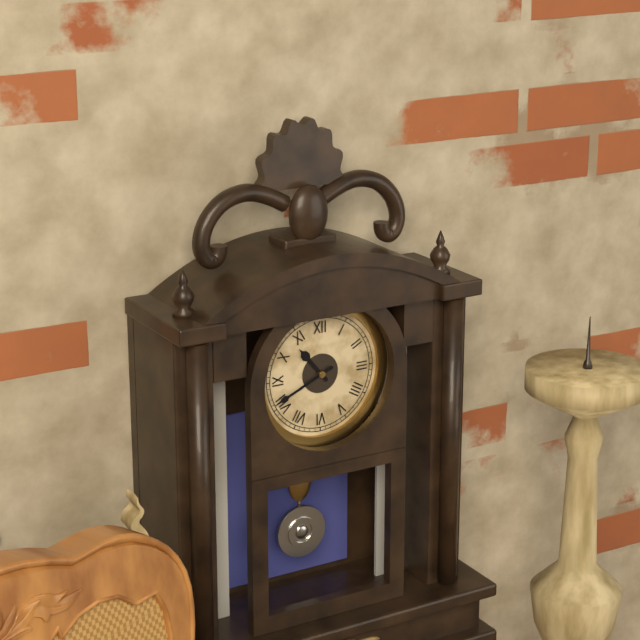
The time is 10h41
